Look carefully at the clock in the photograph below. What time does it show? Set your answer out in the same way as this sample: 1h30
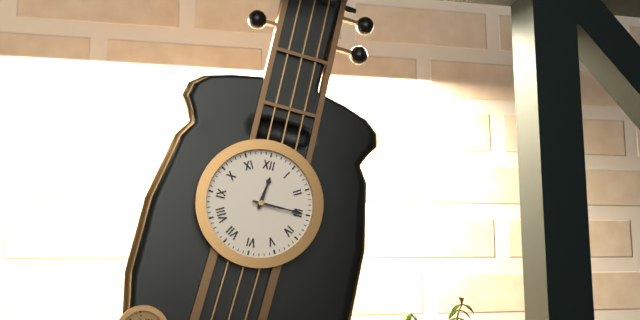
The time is 12h15
